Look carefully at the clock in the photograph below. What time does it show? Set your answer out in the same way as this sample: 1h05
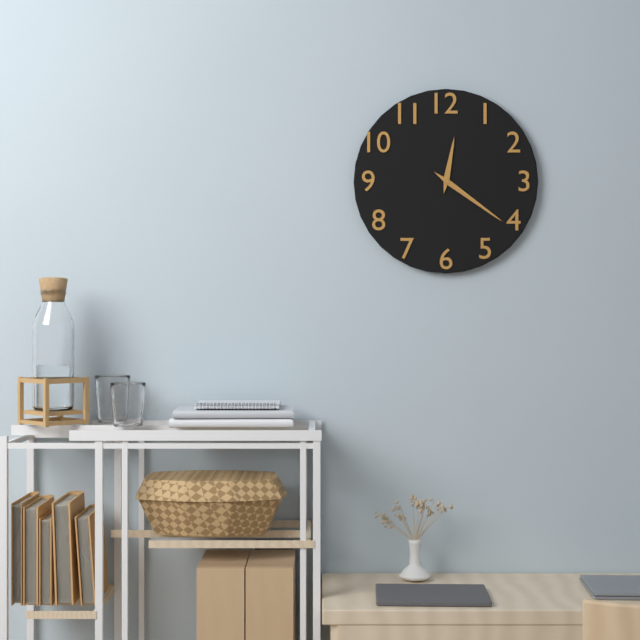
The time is 12h21
